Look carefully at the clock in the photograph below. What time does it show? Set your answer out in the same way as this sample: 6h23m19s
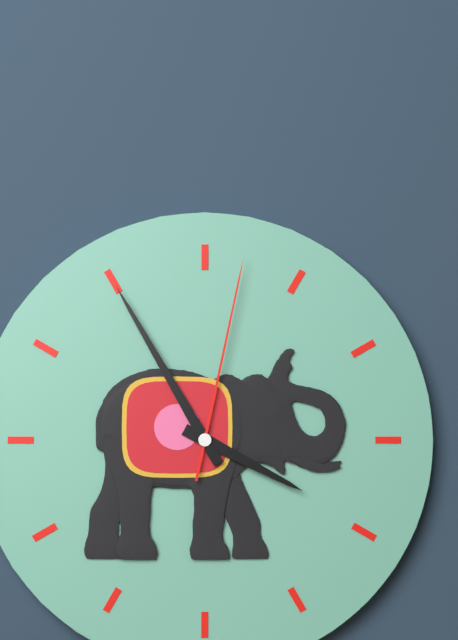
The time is 3h55m02s
